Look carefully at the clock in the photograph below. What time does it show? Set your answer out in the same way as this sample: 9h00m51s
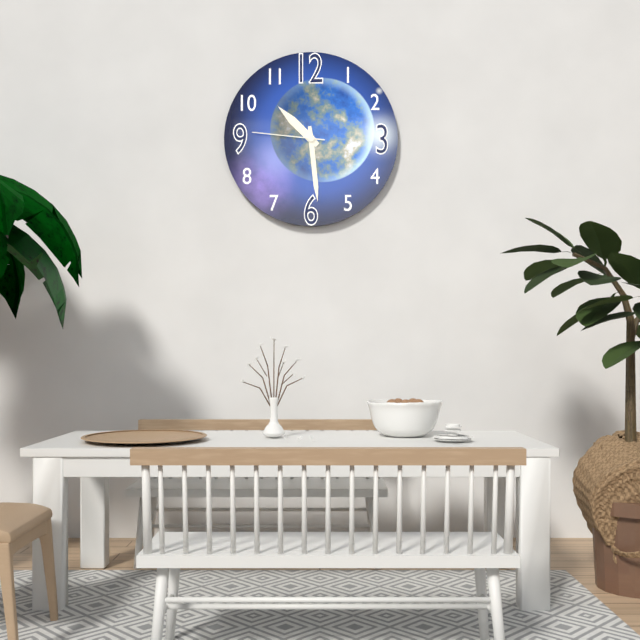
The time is 10h29m46s
